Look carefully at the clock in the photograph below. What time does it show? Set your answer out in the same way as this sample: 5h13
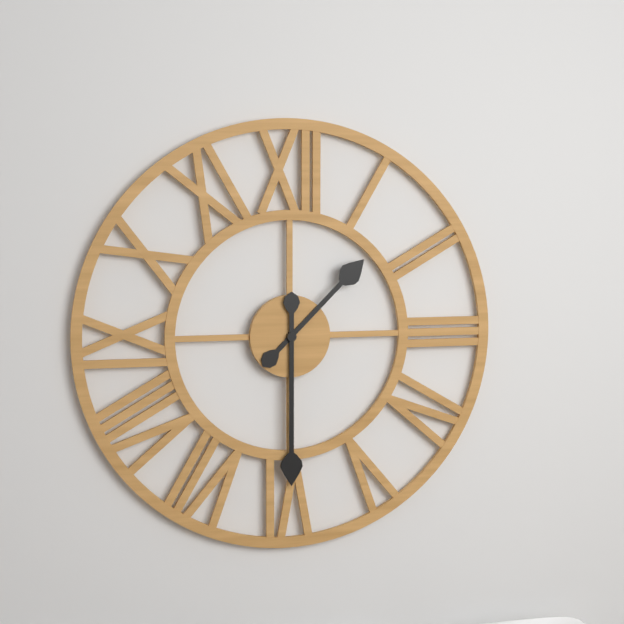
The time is 1h30
